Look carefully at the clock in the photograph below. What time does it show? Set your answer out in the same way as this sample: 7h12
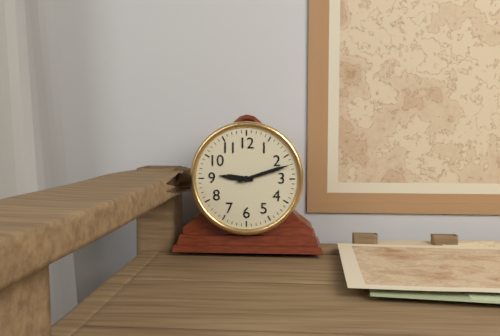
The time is 9h12
